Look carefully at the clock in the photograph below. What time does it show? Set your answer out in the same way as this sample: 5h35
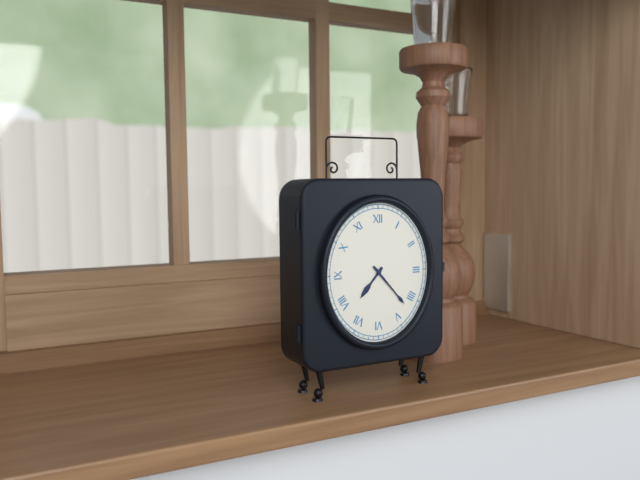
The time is 7h23
